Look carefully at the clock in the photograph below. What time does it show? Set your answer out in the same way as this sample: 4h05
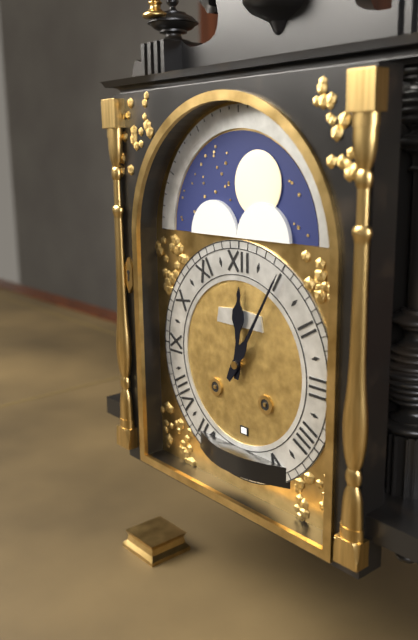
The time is 12h05
